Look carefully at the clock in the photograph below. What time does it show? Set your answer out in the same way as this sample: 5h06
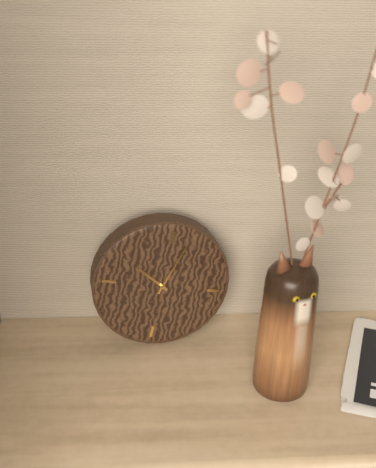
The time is 10h03
